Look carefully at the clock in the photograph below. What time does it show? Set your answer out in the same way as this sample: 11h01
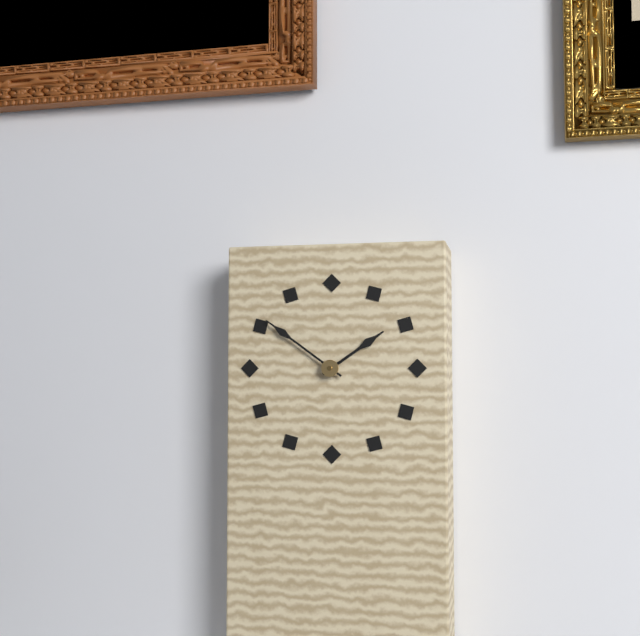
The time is 1h51
